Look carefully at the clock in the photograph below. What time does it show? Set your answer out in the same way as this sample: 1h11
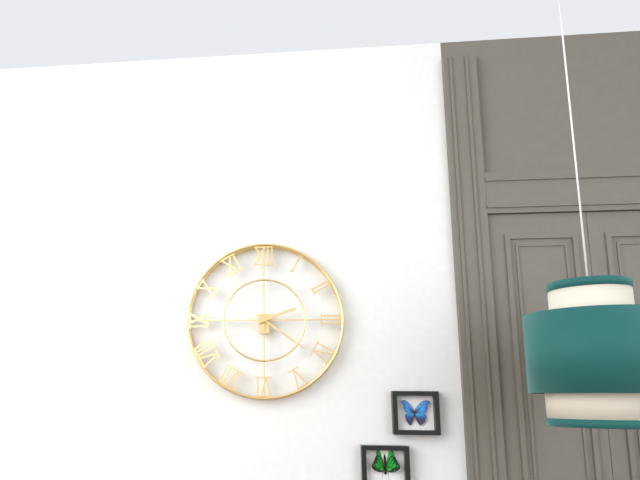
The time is 2h21
